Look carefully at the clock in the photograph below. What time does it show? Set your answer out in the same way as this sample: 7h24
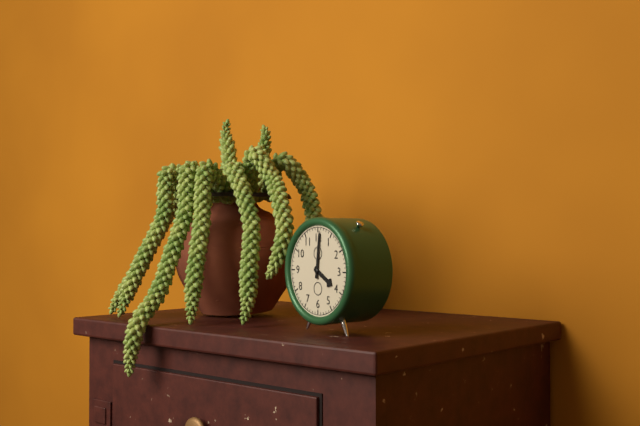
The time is 4h01
